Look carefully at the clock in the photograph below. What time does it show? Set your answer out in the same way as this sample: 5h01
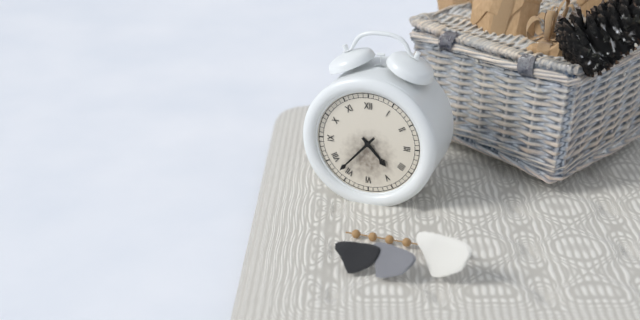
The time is 4h37
